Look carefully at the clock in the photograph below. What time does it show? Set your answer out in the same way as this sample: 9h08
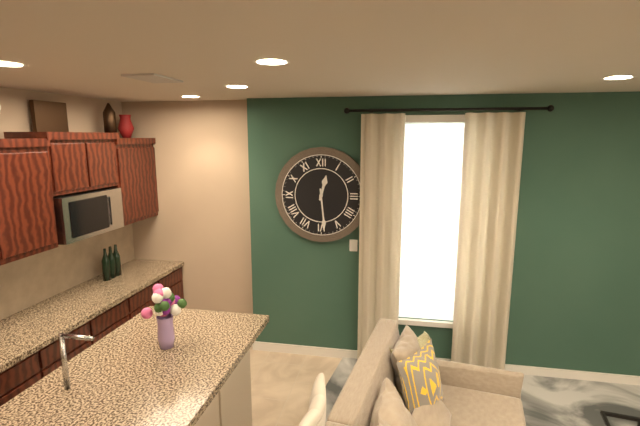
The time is 12h29
